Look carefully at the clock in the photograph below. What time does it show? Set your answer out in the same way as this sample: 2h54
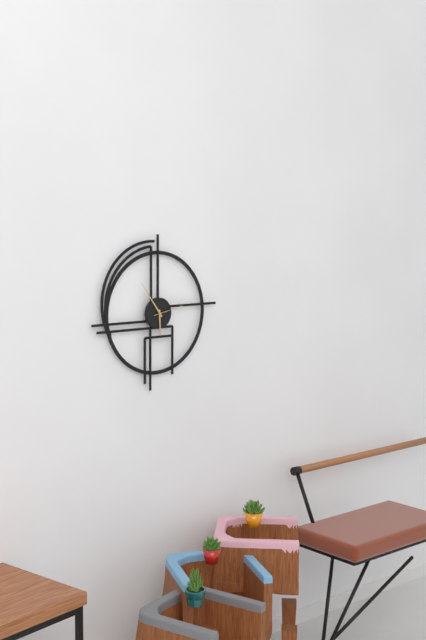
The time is 5h54
